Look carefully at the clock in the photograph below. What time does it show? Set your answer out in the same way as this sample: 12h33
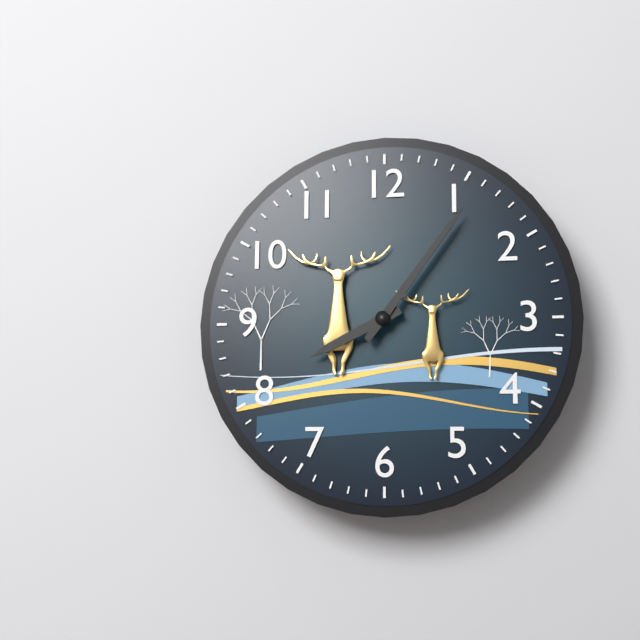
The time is 8h06
